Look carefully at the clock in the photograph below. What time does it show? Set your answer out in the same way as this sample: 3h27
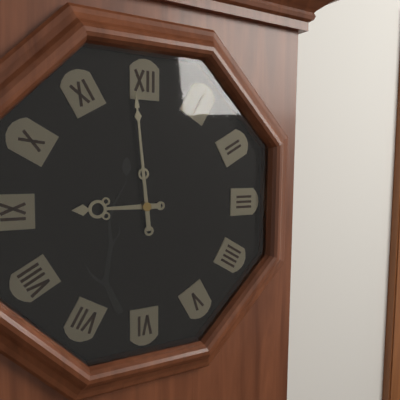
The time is 8h59
